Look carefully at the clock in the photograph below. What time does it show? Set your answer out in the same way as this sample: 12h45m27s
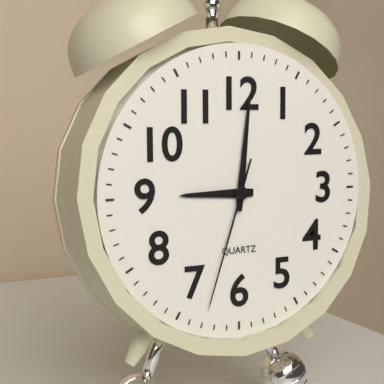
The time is 9h01m33s
